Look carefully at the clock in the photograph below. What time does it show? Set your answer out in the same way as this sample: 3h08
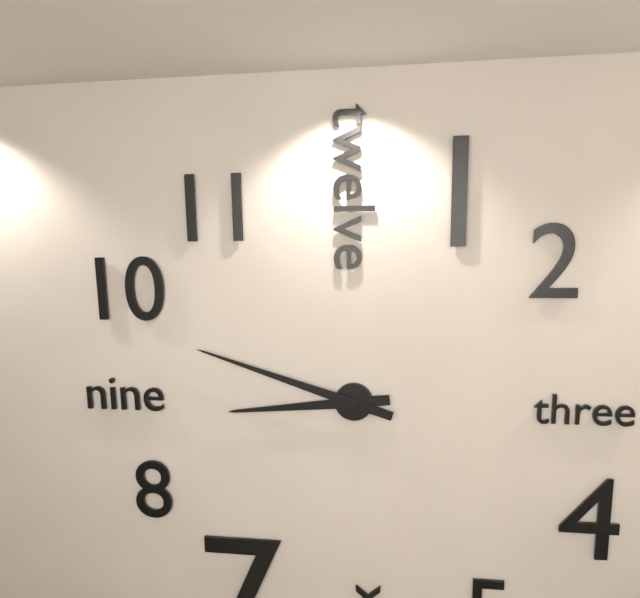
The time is 8h48
